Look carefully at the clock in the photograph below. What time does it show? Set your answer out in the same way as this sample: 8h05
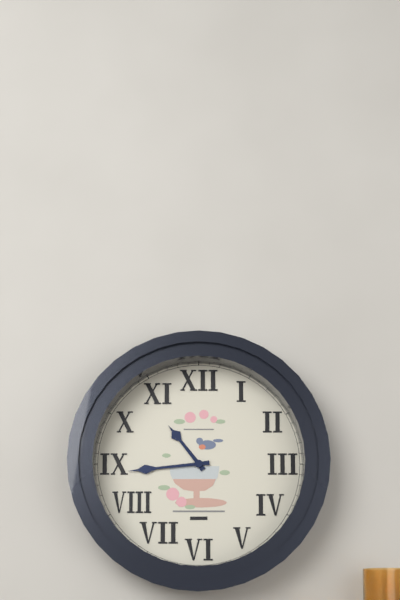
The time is 10h44
